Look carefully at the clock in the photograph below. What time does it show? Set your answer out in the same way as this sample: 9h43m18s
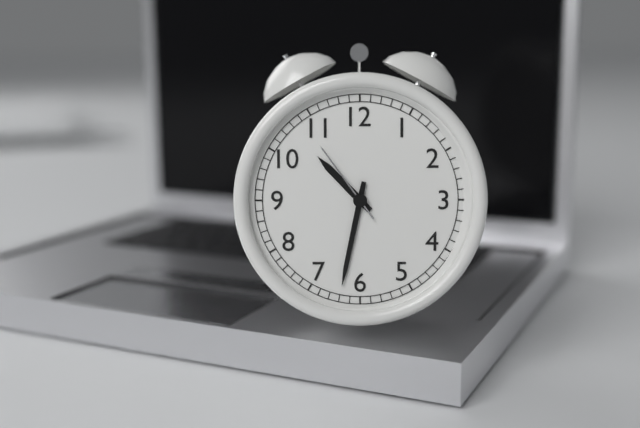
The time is 10h32m54s
